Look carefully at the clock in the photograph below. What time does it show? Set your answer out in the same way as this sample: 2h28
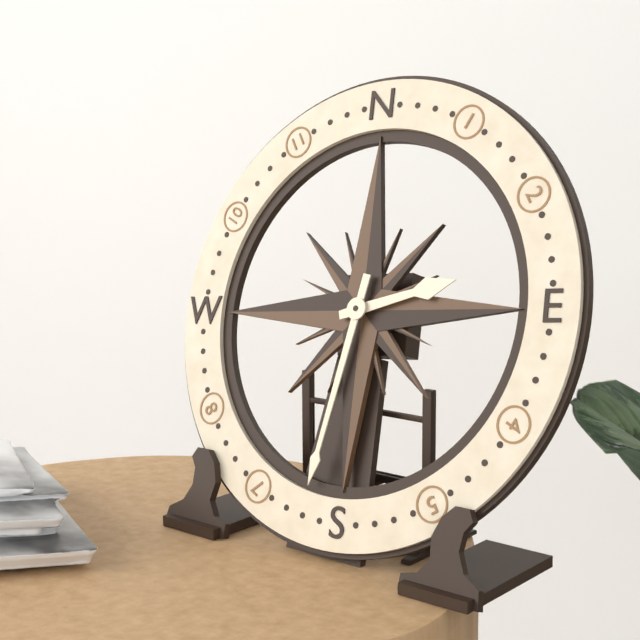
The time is 2h32
